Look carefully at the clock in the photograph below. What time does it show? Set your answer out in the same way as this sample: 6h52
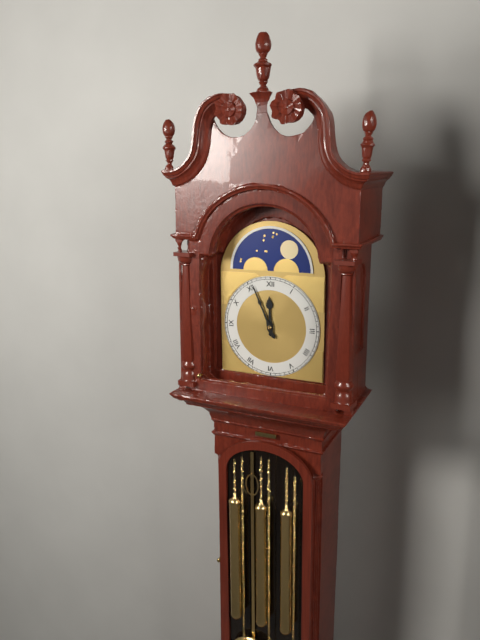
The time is 11h56
